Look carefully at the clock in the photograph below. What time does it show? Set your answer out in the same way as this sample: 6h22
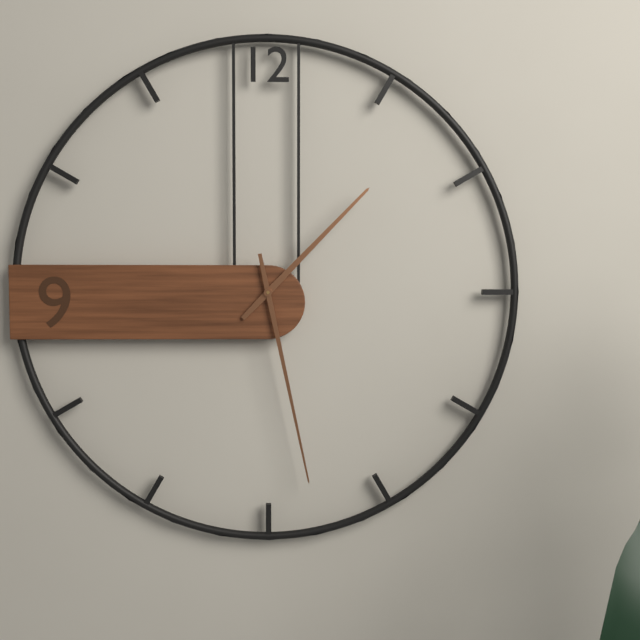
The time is 1h28
